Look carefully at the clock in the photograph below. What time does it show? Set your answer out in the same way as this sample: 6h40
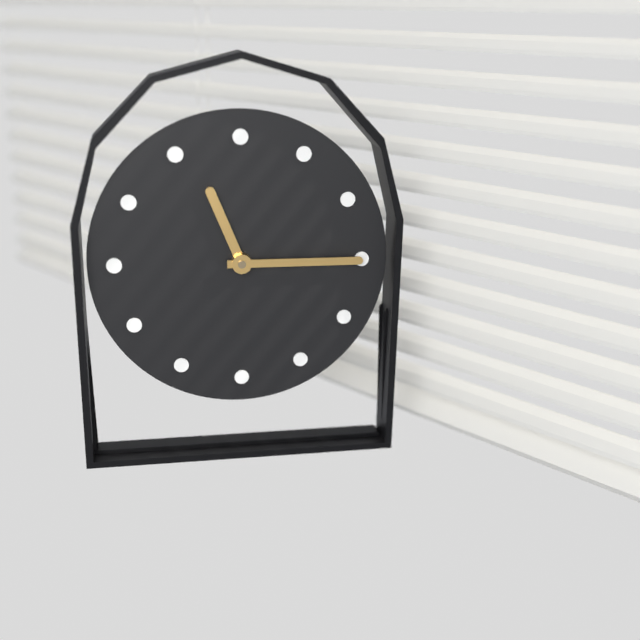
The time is 11h15
